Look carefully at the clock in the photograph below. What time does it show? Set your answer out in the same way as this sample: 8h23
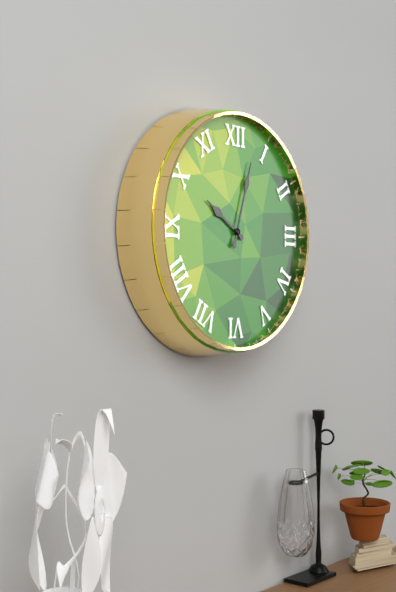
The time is 10h03
